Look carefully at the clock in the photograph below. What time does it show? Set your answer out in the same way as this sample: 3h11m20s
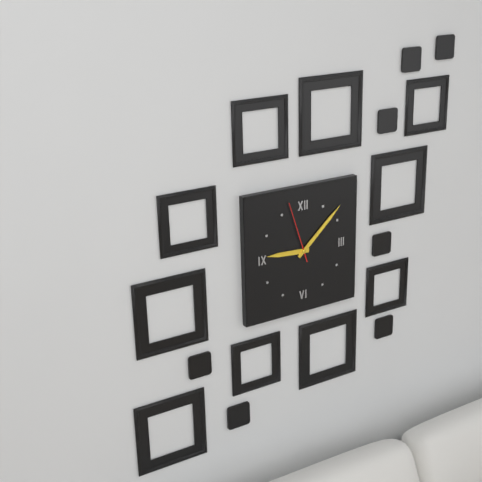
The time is 9h08m57s
